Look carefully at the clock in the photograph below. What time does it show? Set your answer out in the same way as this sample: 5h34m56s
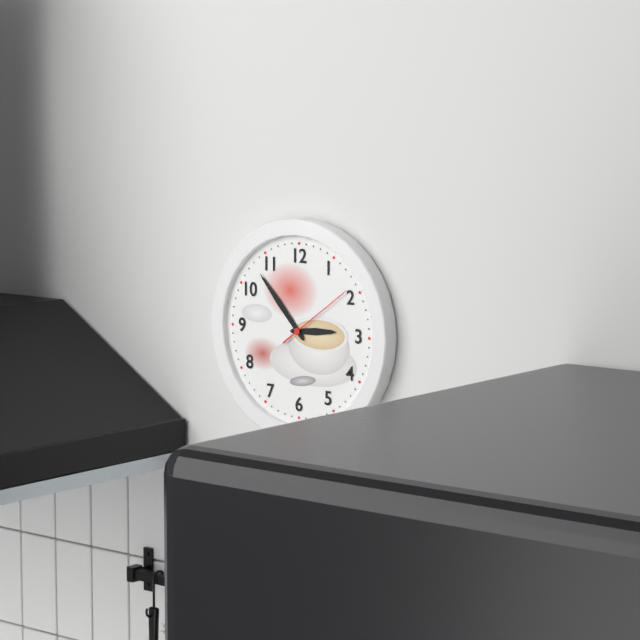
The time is 2h53m09s
